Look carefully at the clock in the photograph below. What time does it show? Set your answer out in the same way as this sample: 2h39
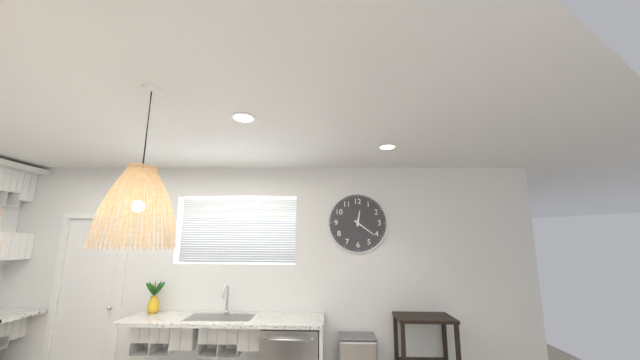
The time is 12h21
